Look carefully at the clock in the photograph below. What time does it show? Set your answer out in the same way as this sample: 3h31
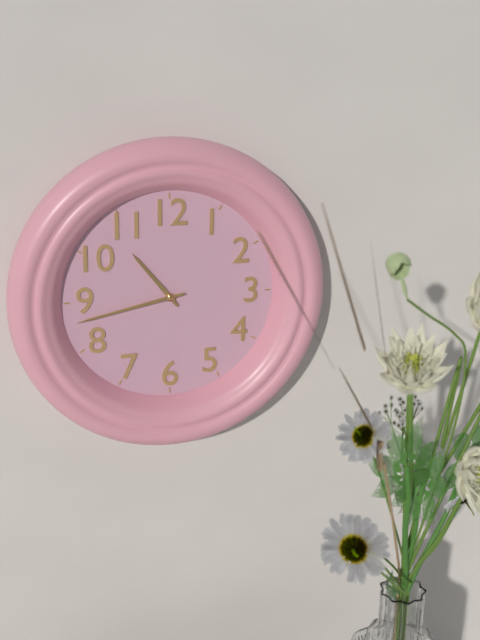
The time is 10h43
